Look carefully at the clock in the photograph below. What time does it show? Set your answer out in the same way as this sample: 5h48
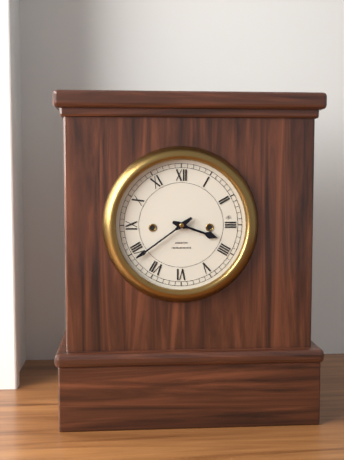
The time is 3h39
